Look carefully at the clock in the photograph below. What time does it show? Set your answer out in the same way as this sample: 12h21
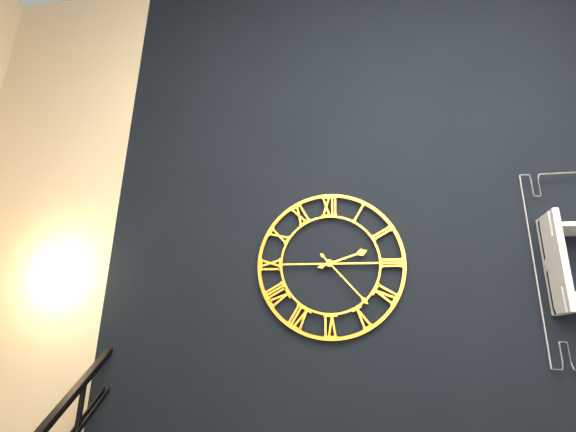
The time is 2h23
